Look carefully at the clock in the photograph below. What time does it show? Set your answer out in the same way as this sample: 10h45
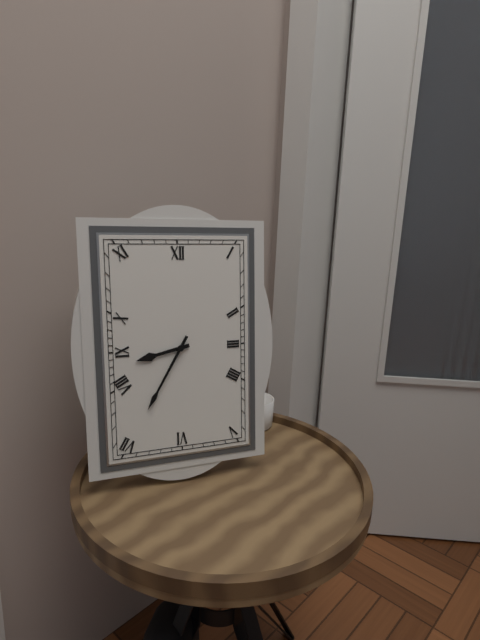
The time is 8h35
